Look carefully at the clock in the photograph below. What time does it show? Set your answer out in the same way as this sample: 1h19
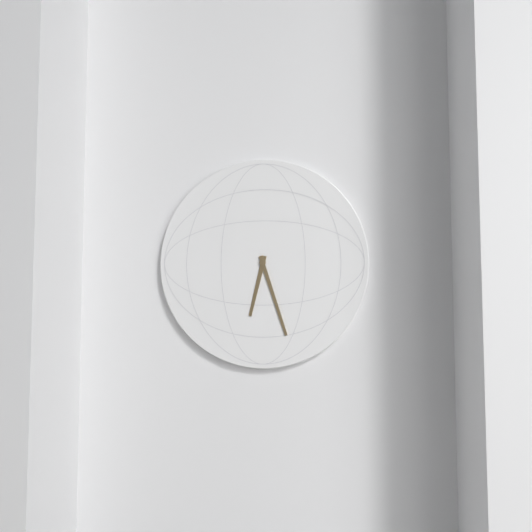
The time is 6h27
